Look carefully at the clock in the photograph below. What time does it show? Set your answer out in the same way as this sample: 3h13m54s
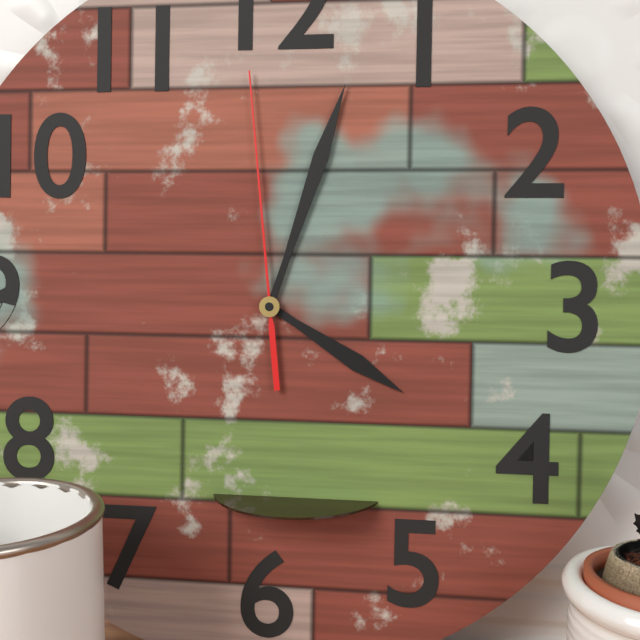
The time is 4h03m59s
